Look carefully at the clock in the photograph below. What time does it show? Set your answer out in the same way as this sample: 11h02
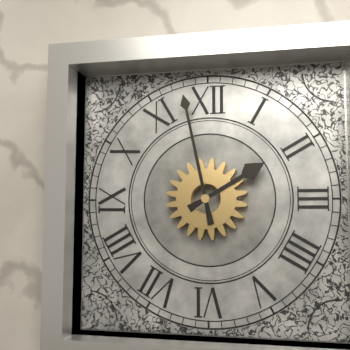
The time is 1h58
